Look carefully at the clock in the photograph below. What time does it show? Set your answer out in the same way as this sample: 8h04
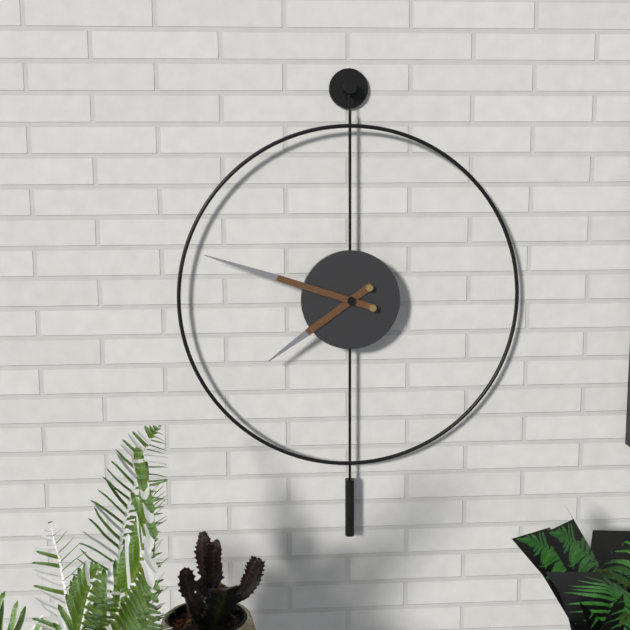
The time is 7h48
